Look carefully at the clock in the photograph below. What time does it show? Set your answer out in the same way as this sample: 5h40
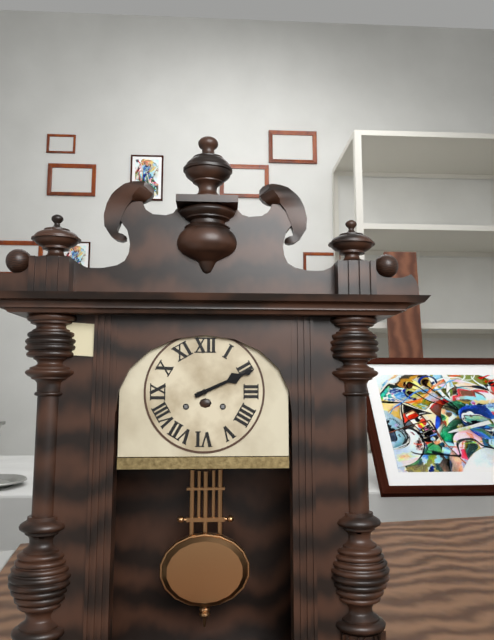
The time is 2h11
